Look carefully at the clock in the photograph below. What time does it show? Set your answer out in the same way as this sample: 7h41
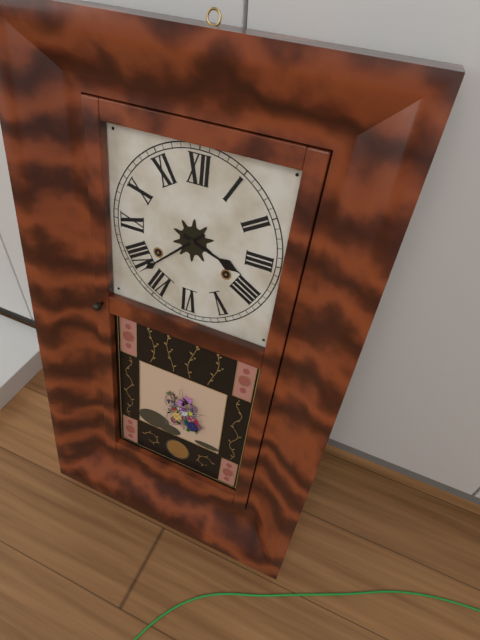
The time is 3h38
